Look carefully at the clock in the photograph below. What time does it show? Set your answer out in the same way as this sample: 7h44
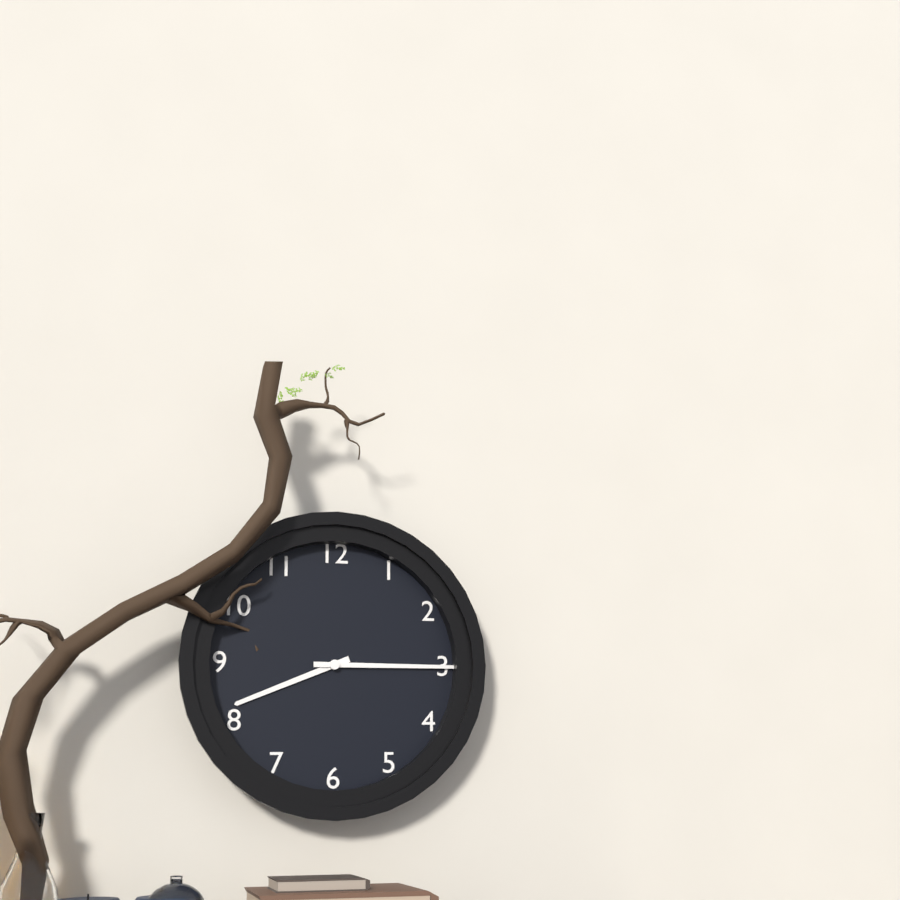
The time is 8h15
